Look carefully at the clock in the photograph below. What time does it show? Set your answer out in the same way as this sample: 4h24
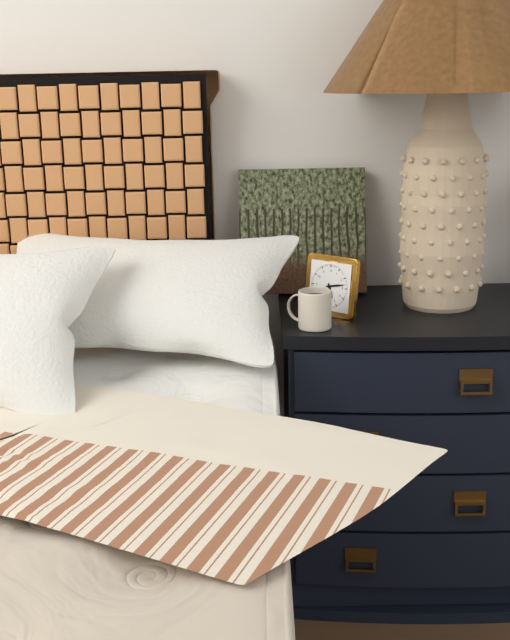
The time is 5h13
